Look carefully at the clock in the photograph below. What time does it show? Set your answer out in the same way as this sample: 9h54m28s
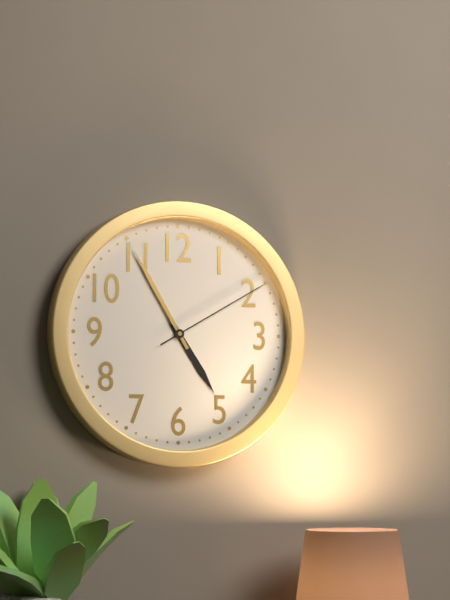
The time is 4h55m10s
